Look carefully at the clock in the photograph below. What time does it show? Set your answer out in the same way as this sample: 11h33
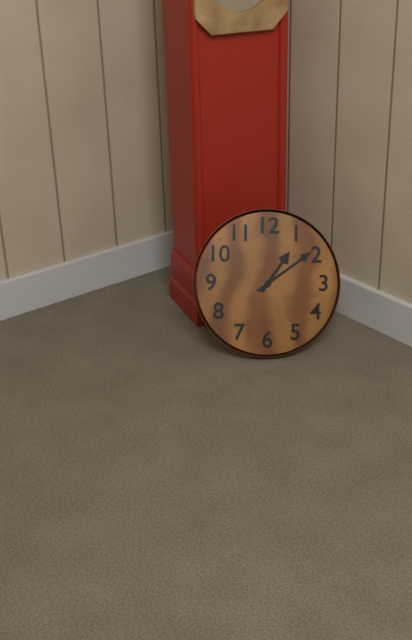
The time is 1h09
